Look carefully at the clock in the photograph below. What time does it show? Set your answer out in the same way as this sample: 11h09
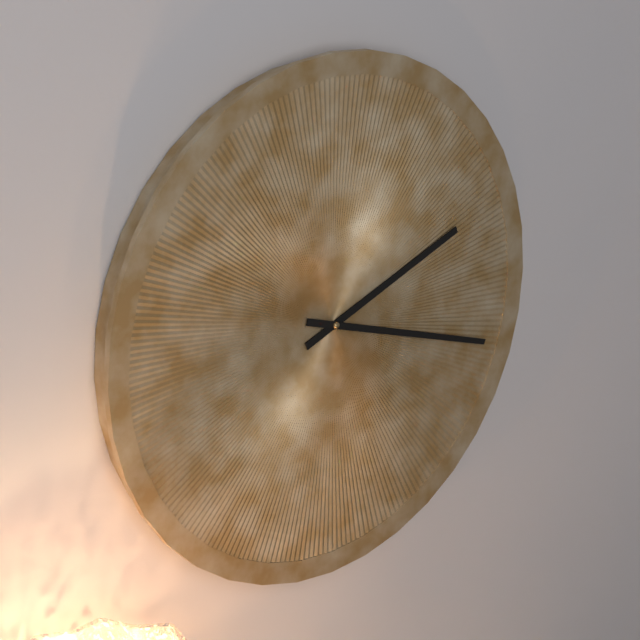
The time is 2h18
